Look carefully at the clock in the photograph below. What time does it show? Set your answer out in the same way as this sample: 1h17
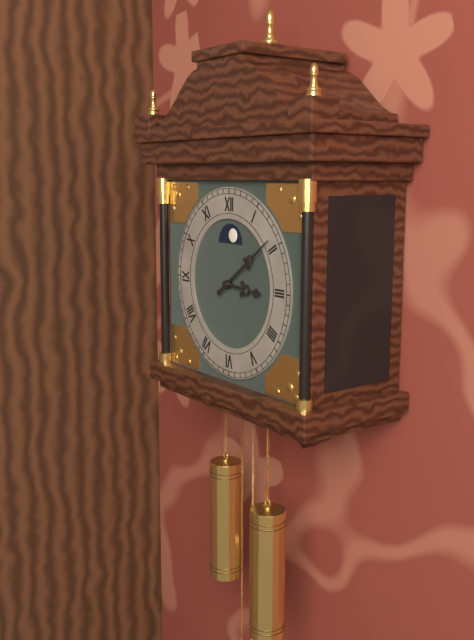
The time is 3h09
